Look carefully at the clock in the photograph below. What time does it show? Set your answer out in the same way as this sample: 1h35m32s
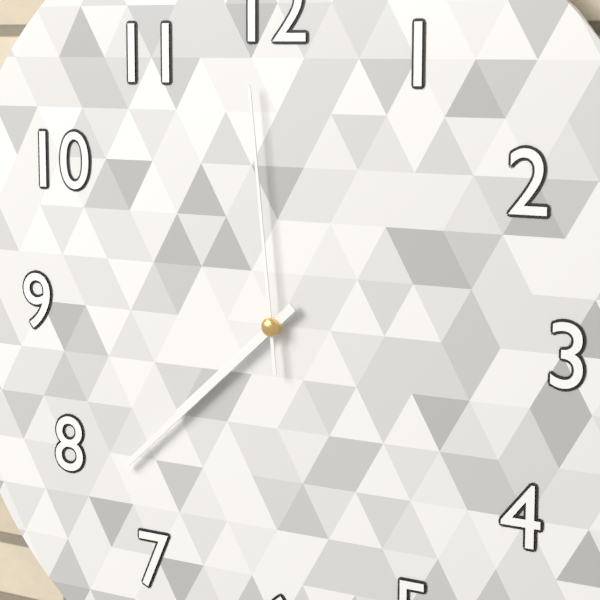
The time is 7h38m59s
